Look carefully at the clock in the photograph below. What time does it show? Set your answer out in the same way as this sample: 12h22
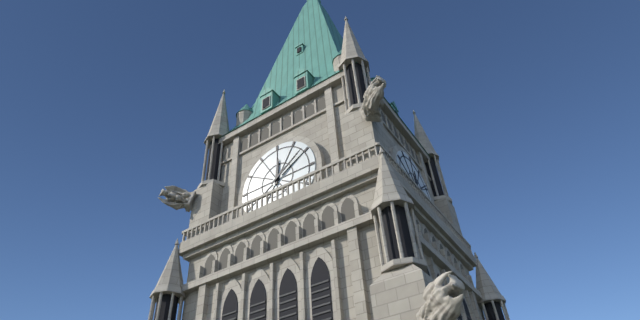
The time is 12h09
